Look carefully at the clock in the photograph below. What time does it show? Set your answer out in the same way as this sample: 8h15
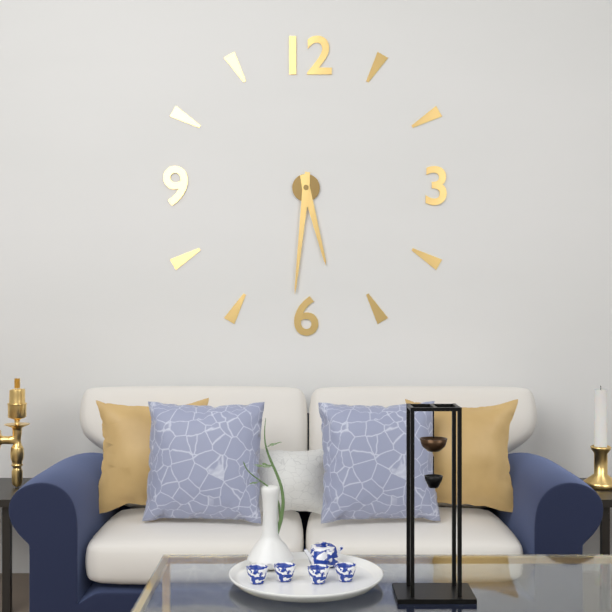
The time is 5h31
